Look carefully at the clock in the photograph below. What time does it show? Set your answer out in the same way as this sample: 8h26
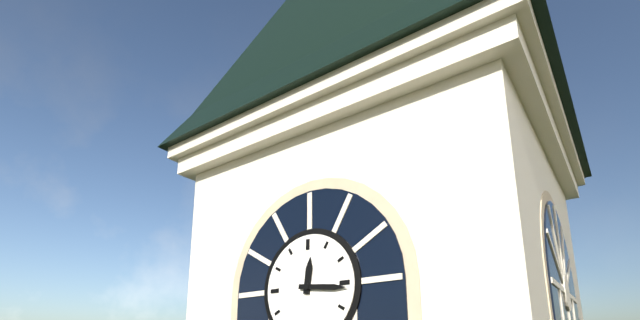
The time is 12h16
